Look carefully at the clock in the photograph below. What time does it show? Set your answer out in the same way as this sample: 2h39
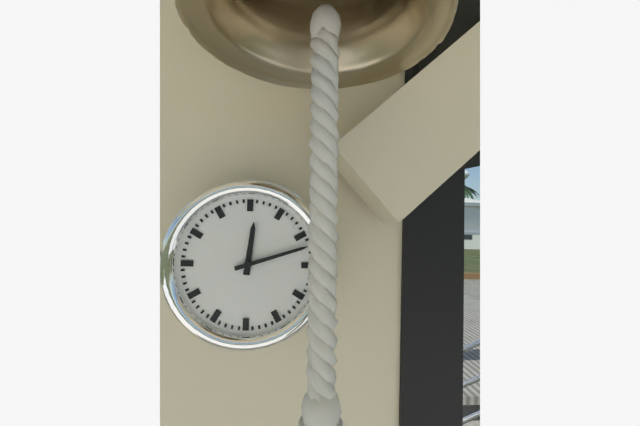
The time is 12h12
